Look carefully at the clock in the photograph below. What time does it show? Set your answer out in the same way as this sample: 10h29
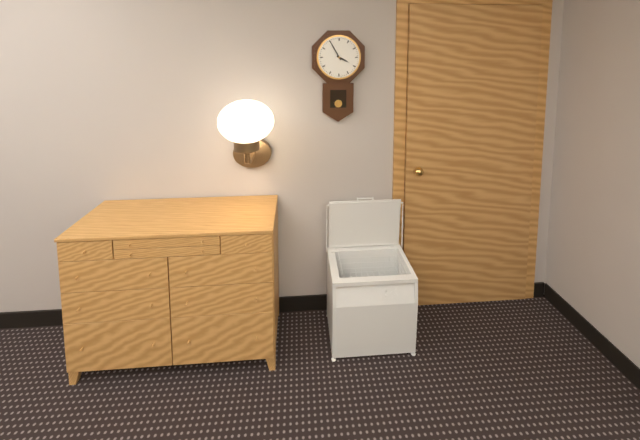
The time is 3h55
